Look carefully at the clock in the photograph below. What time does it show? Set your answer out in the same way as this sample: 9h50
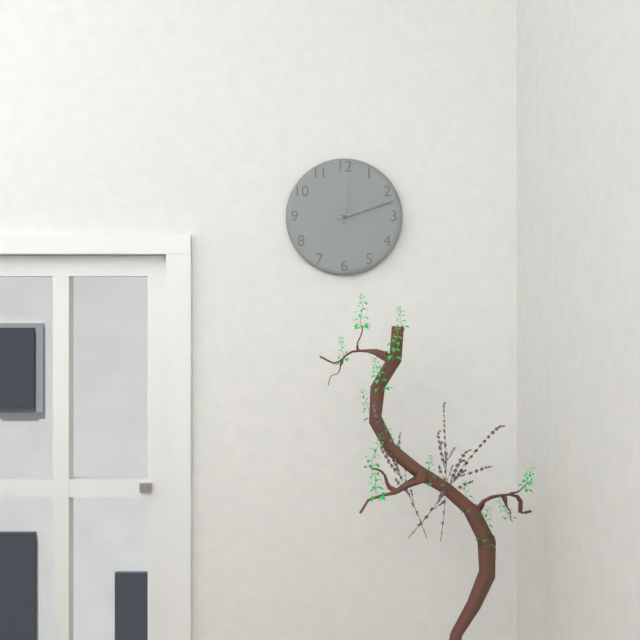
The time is 12h12
